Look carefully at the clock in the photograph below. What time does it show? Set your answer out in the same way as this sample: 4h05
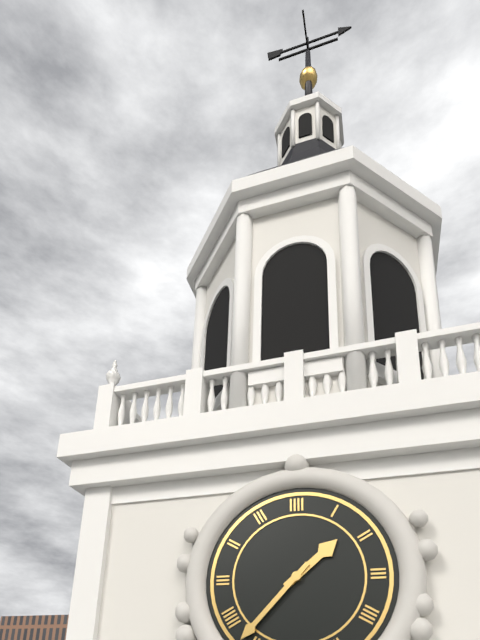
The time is 1h37
